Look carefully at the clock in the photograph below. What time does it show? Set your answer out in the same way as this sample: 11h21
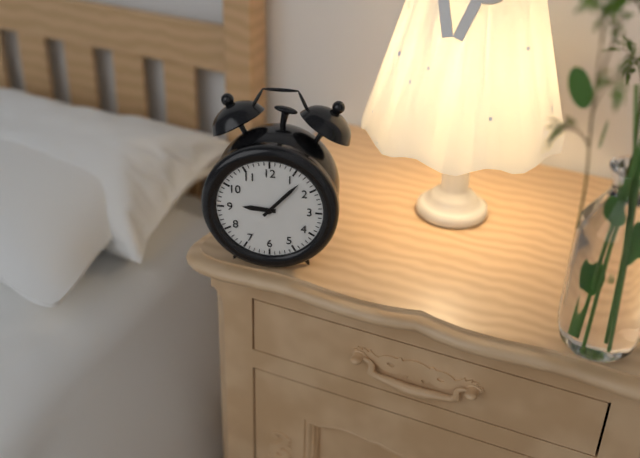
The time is 9h07
